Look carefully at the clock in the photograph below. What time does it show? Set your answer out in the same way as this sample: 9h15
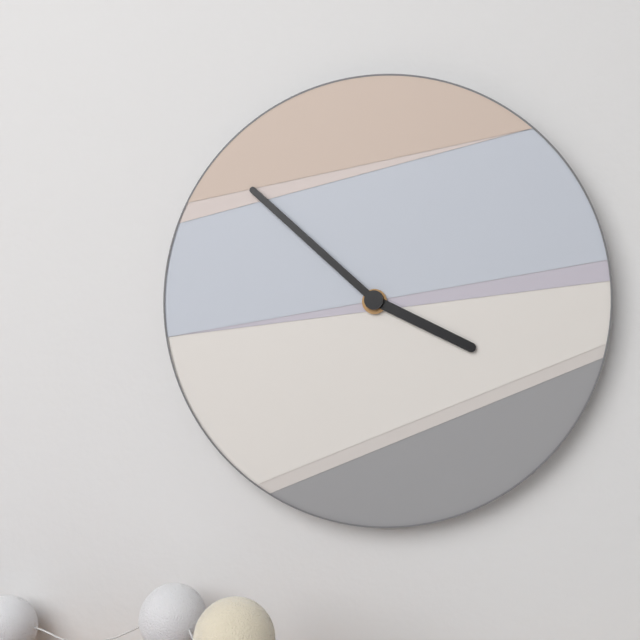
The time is 3h52
